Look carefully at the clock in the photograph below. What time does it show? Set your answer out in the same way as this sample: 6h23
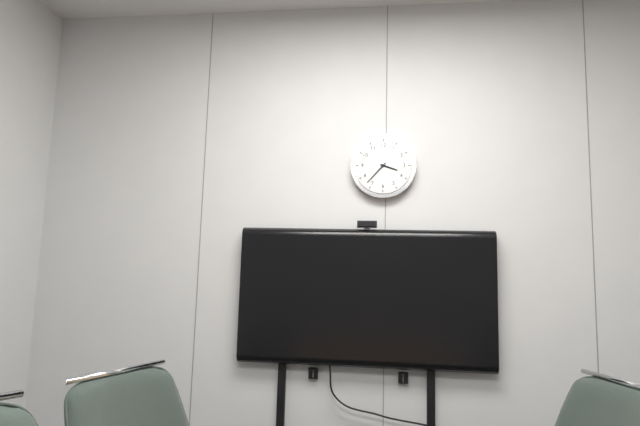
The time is 3h37
